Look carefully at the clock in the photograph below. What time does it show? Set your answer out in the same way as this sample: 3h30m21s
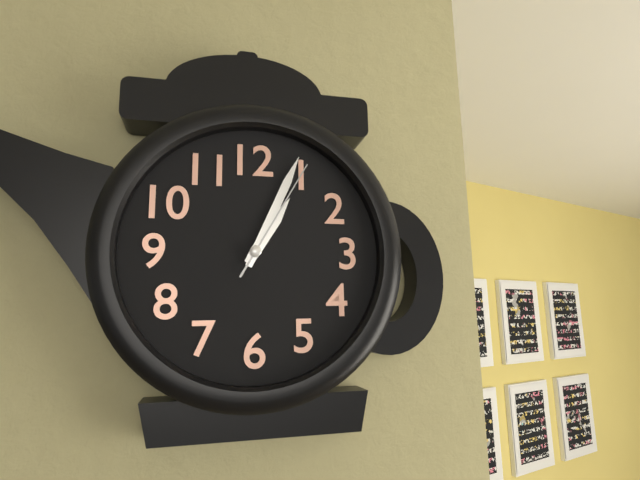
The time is 1h04m05s
